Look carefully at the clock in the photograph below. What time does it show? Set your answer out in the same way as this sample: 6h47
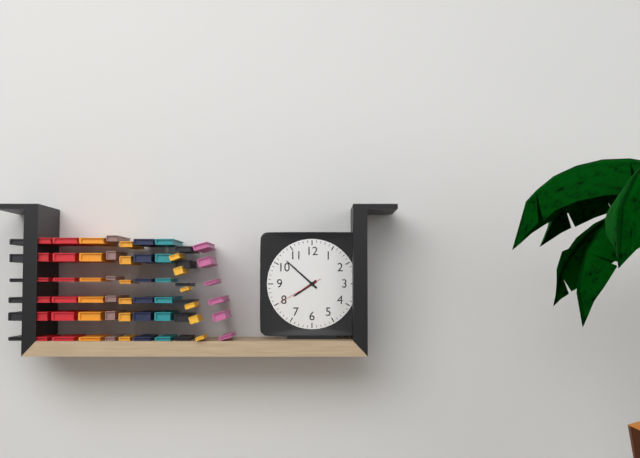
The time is 7h52
